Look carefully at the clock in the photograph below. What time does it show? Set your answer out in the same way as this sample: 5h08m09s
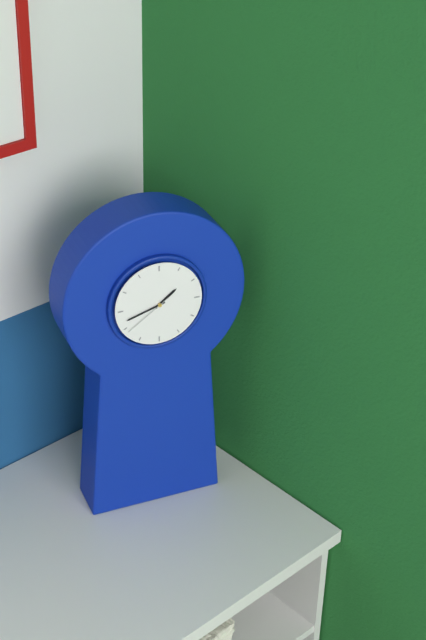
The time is 1h42m39s
